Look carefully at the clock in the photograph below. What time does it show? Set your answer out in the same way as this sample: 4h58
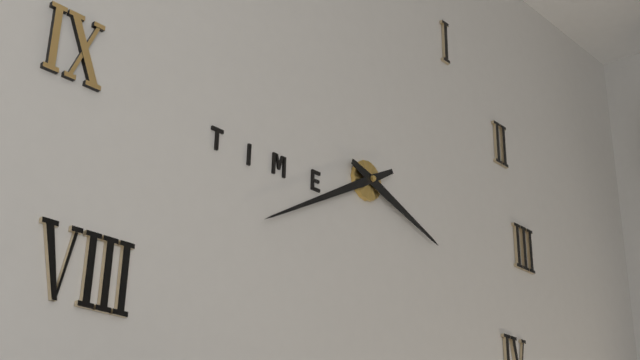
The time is 3h40
